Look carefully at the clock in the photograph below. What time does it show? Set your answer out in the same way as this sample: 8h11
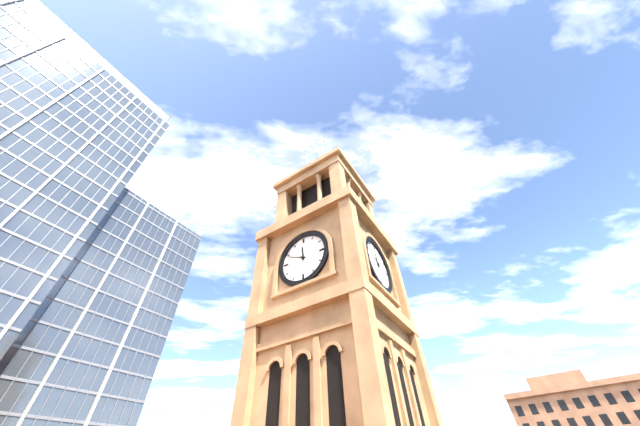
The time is 11h49
